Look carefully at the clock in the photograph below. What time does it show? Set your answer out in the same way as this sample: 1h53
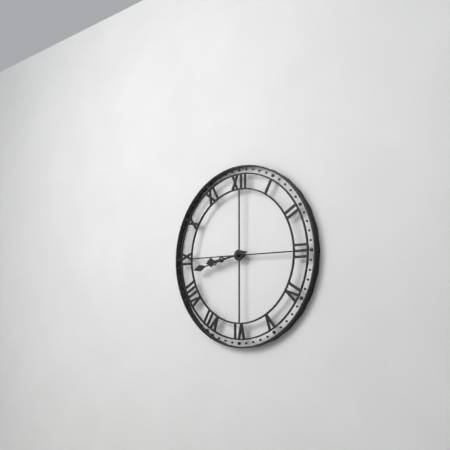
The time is 8h43
